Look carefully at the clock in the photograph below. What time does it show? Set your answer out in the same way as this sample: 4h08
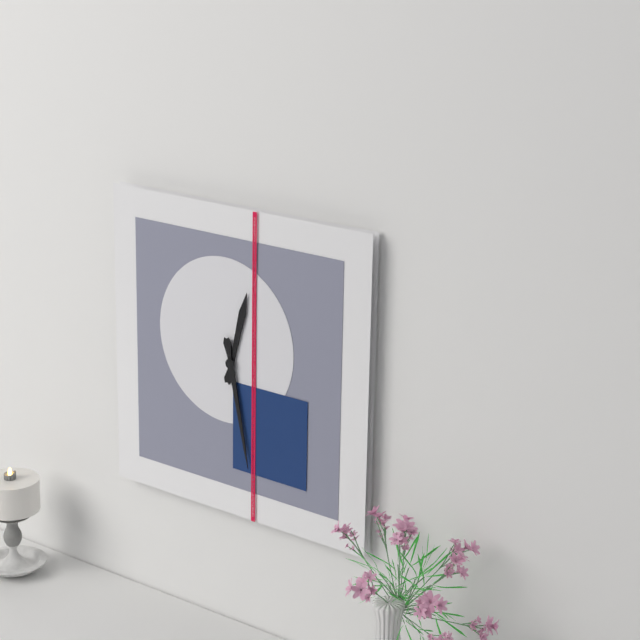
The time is 12h28
